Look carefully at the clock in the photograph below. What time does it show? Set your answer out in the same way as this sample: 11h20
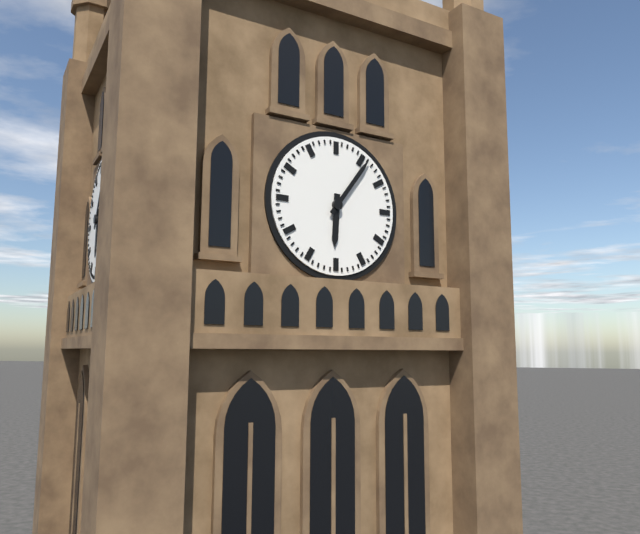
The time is 6h06
